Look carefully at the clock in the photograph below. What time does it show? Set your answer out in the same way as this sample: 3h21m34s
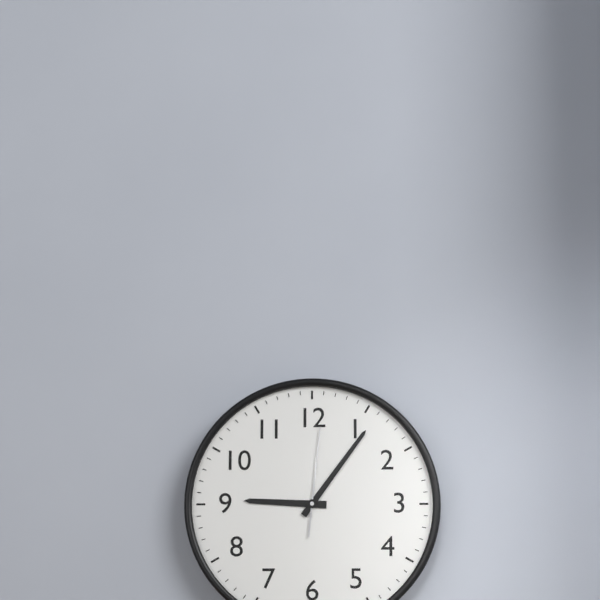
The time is 9h06m01s
